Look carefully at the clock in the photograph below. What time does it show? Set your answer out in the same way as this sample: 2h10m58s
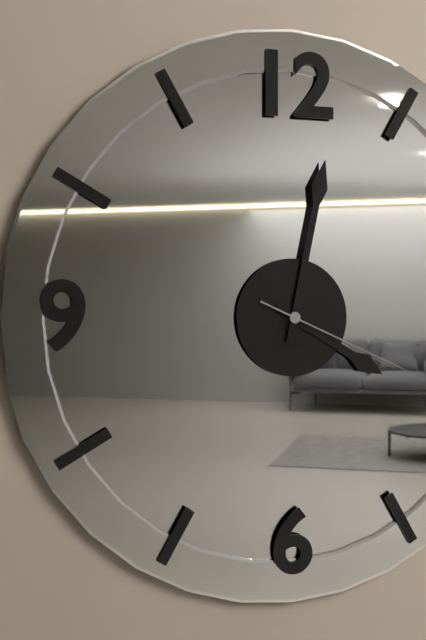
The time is 4h02m19s
